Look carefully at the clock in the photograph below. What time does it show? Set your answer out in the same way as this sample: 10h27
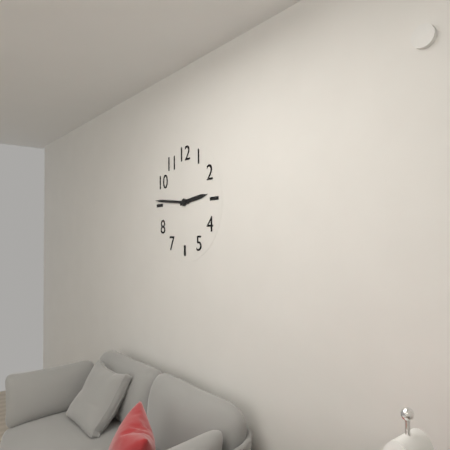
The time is 2h46
